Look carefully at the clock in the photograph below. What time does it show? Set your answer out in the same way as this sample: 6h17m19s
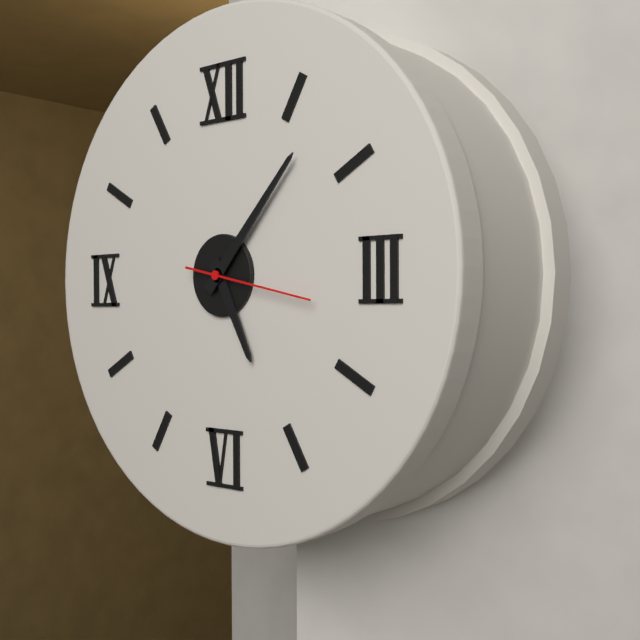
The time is 5h07m17s
